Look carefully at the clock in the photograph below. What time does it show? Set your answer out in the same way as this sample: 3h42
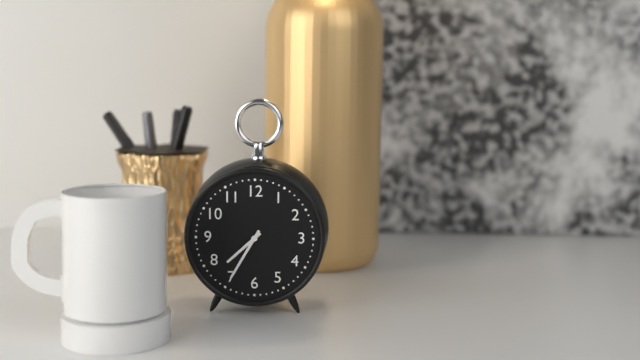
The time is 7h35
